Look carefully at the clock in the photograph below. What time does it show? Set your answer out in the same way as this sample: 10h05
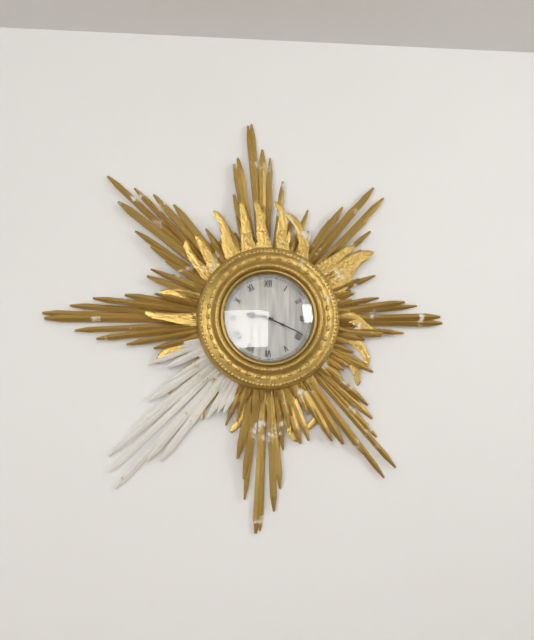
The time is 9h19
